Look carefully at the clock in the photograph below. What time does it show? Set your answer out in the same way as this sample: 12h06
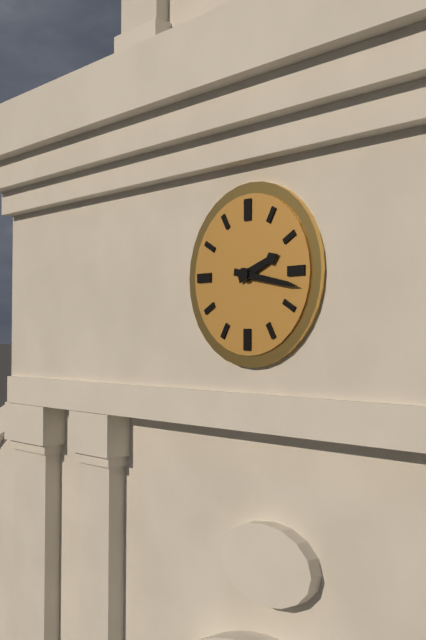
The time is 2h17
